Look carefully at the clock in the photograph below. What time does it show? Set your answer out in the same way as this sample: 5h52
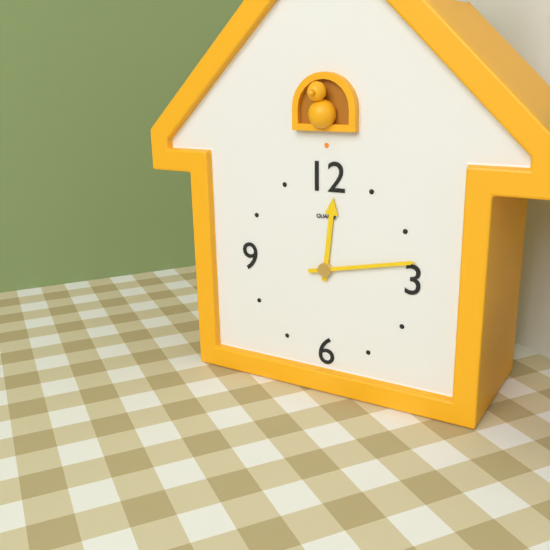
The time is 12h13
